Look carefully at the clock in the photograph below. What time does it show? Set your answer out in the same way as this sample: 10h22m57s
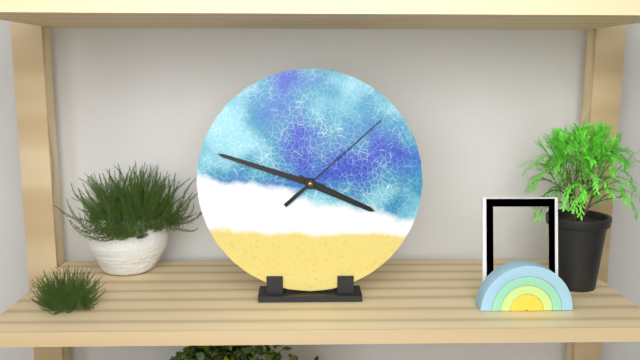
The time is 3h48m08s
